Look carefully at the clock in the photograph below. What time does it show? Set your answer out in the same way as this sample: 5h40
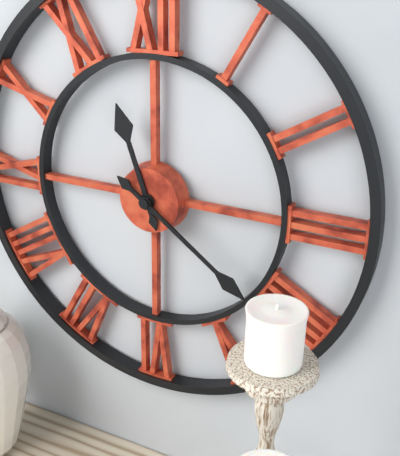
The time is 11h21
